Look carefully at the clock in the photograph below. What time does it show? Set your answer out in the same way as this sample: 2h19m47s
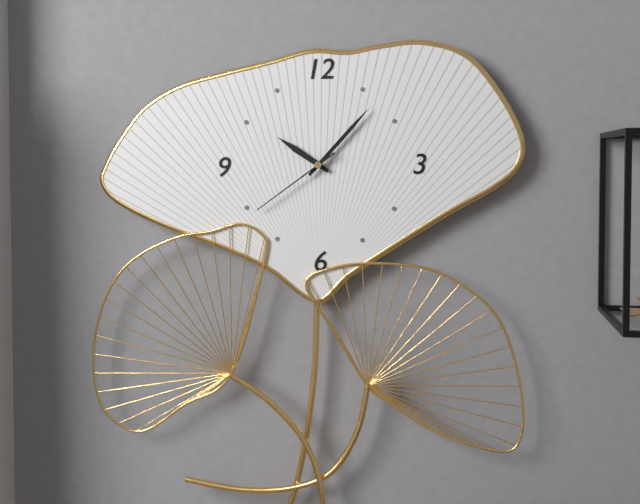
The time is 10h07m39s
